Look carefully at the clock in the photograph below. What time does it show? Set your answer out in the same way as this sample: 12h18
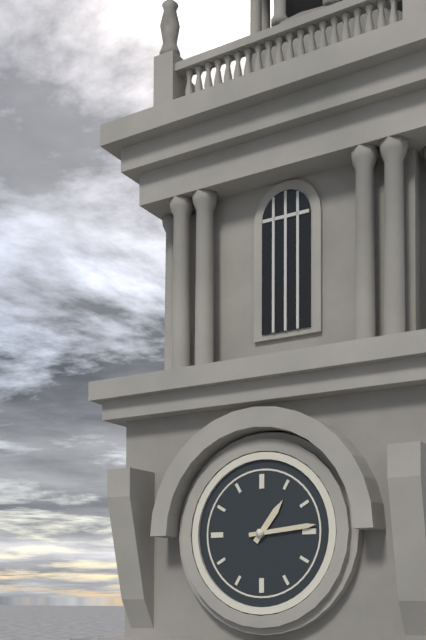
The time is 1h14
